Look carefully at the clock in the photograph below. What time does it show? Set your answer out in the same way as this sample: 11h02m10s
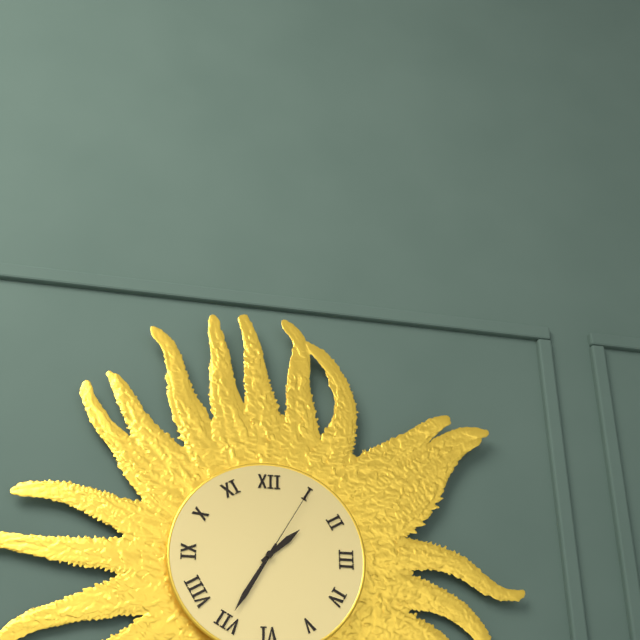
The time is 1h35m05s
